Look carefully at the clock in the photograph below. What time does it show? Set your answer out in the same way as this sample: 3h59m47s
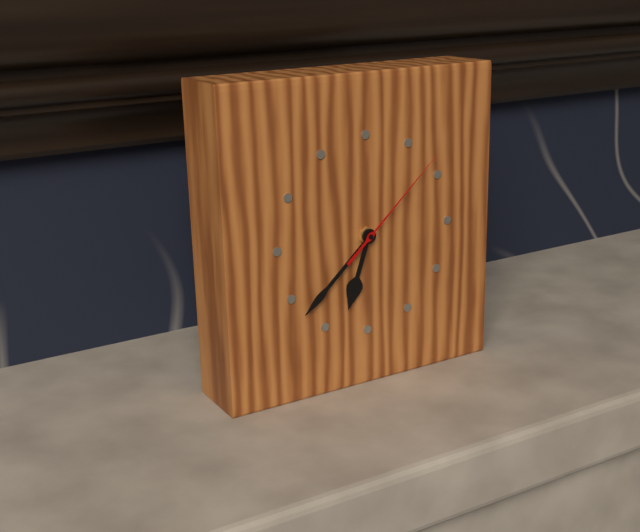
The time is 6h38m08s
